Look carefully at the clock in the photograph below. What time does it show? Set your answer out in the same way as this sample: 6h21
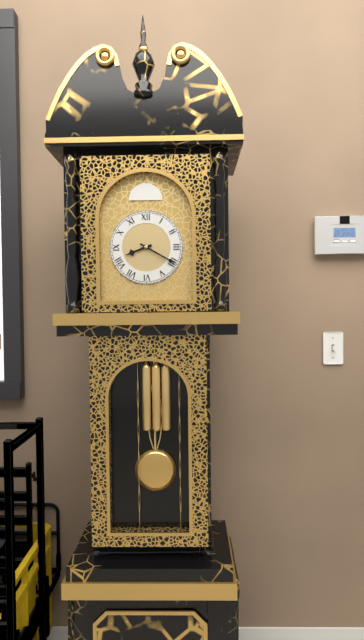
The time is 8h20
